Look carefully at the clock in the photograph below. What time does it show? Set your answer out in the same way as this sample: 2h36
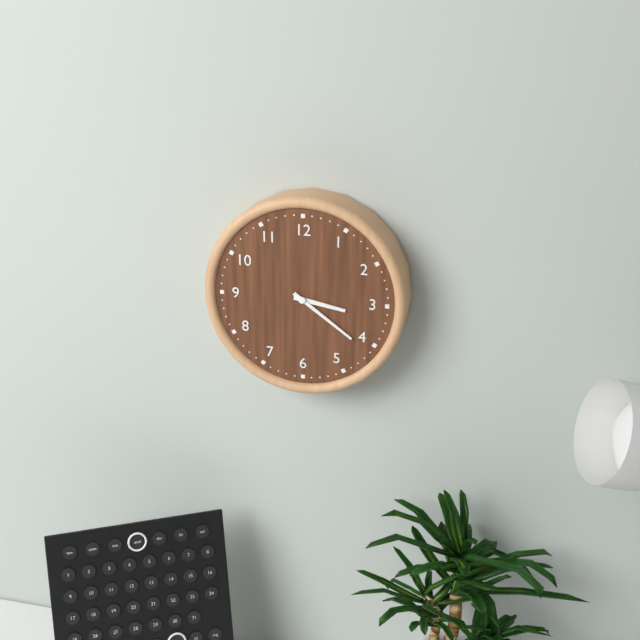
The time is 3h21
